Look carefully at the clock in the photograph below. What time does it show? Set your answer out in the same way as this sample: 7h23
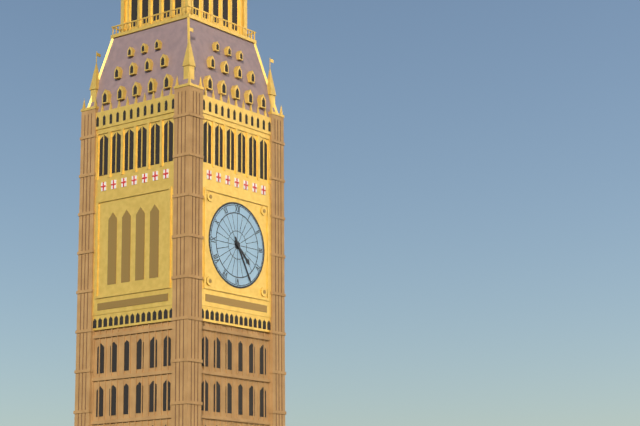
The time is 4h25
